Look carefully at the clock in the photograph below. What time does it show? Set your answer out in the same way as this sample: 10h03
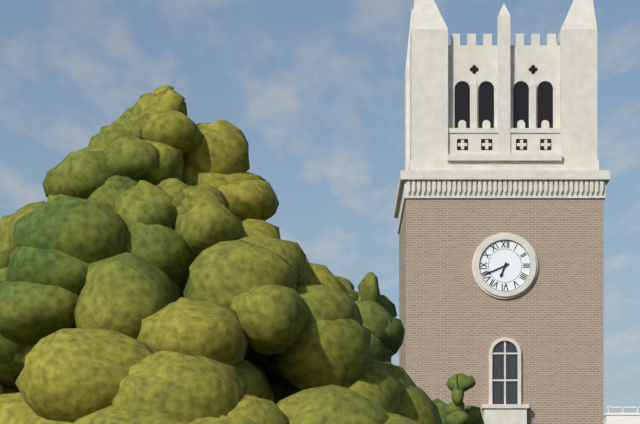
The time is 6h41
